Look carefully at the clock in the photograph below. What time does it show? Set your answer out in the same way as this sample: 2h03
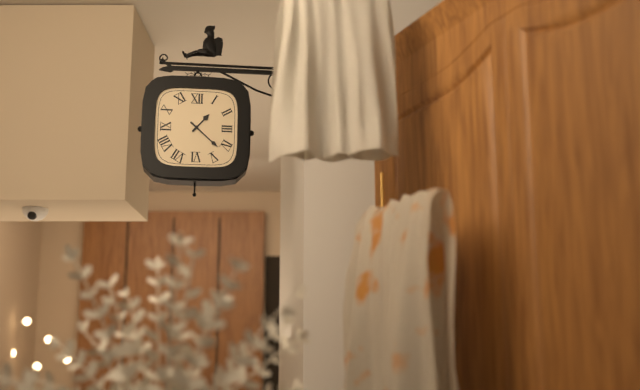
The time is 1h22
